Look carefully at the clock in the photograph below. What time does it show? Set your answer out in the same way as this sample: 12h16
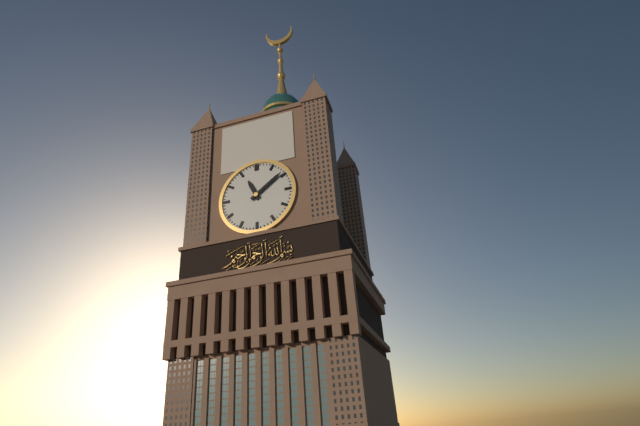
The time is 11h09
